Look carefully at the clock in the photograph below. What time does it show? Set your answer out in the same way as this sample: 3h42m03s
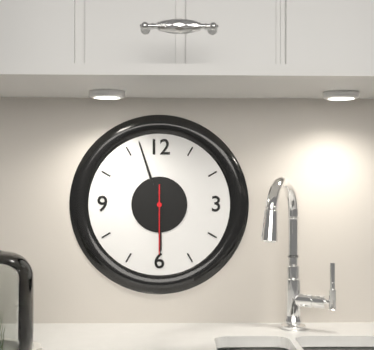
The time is 5h57m30s
